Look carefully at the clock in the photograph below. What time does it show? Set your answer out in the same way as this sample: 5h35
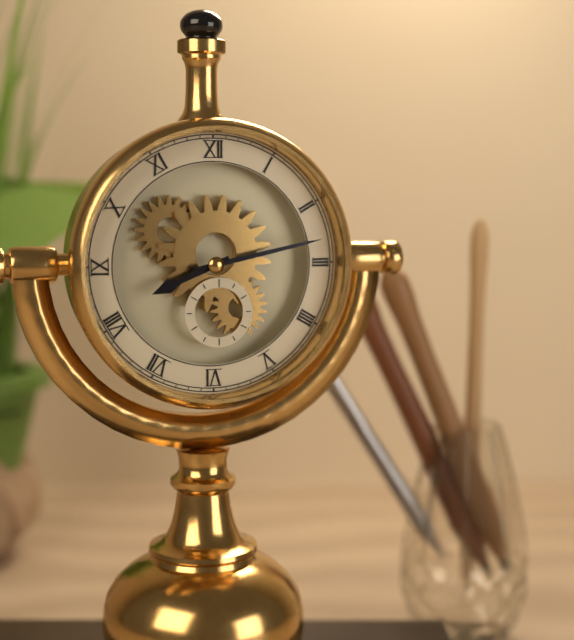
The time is 8h13
